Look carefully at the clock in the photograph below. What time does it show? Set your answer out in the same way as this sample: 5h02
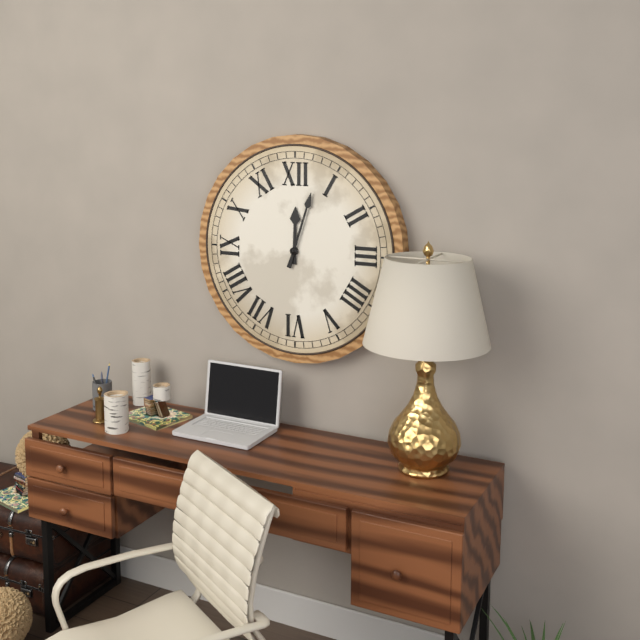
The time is 12h03
